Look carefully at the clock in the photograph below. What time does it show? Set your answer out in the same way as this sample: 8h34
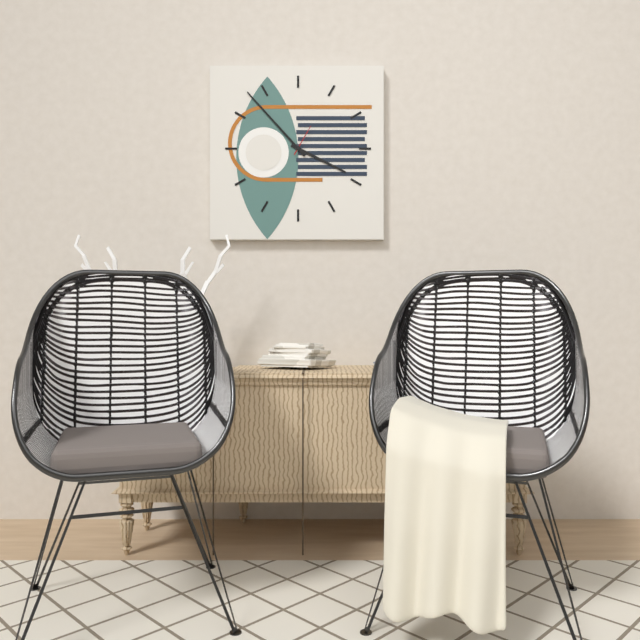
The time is 3h53
